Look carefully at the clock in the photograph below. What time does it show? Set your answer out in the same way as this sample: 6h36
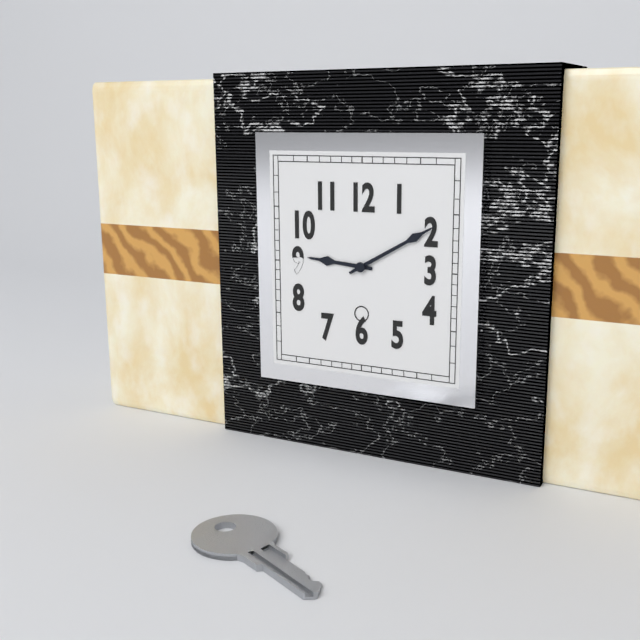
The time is 9h10
